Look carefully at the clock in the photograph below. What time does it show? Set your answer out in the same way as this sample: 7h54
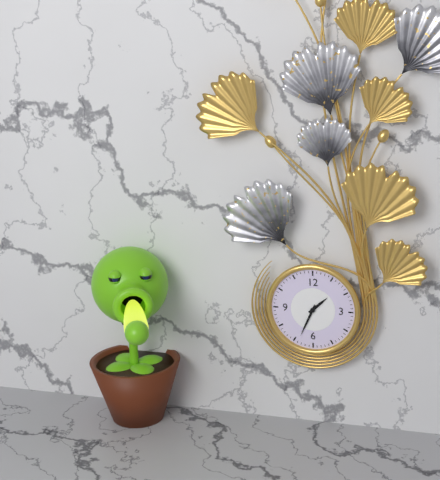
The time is 1h34
